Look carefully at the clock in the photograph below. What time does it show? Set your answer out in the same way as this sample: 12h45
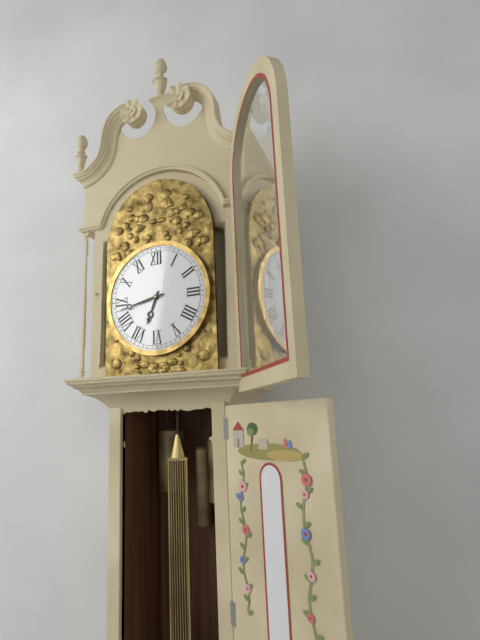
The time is 6h43
